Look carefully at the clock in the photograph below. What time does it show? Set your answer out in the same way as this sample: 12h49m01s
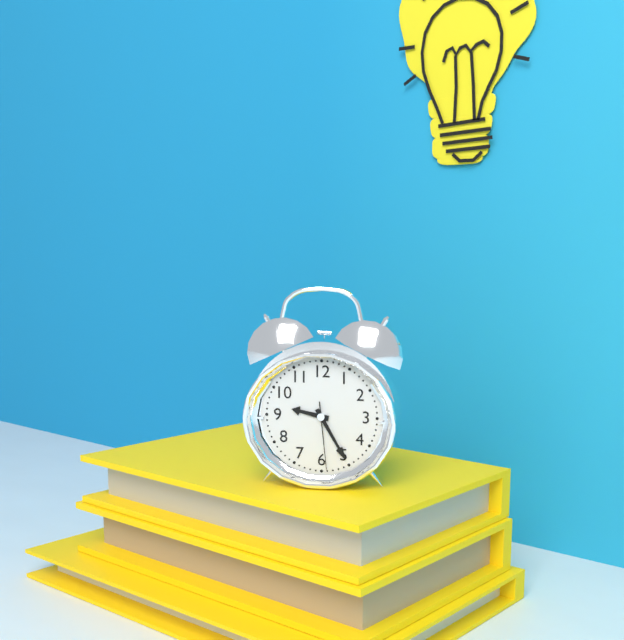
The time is 9h25m29s
